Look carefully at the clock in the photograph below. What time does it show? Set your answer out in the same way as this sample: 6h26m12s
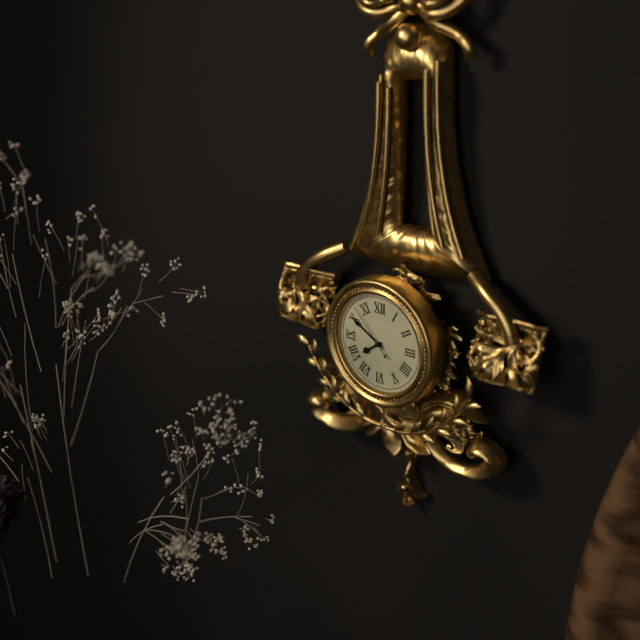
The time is 7h50m53s
